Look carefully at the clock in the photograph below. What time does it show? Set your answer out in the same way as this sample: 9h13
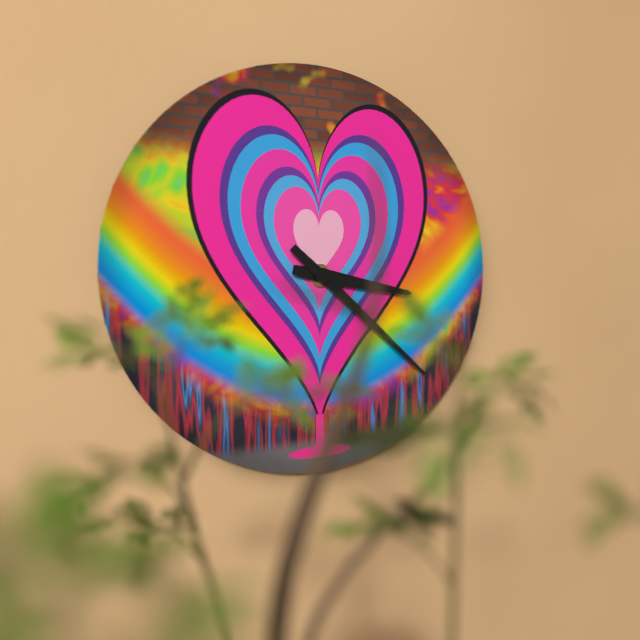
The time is 3h22
